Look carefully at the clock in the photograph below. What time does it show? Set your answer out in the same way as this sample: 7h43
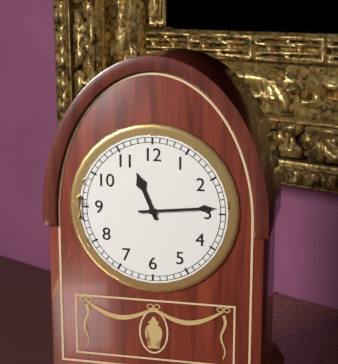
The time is 11h14
